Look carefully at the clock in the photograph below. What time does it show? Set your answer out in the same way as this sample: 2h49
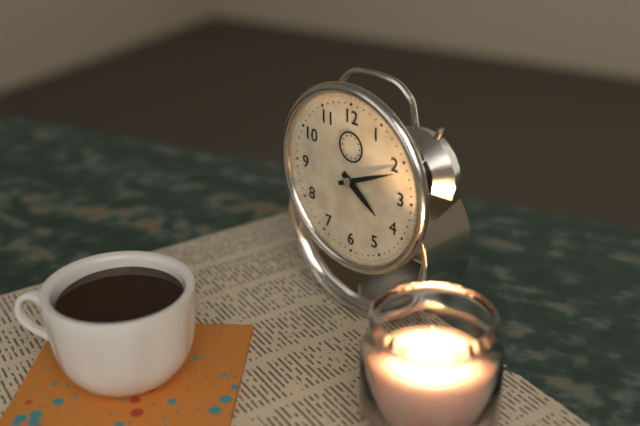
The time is 4h11
